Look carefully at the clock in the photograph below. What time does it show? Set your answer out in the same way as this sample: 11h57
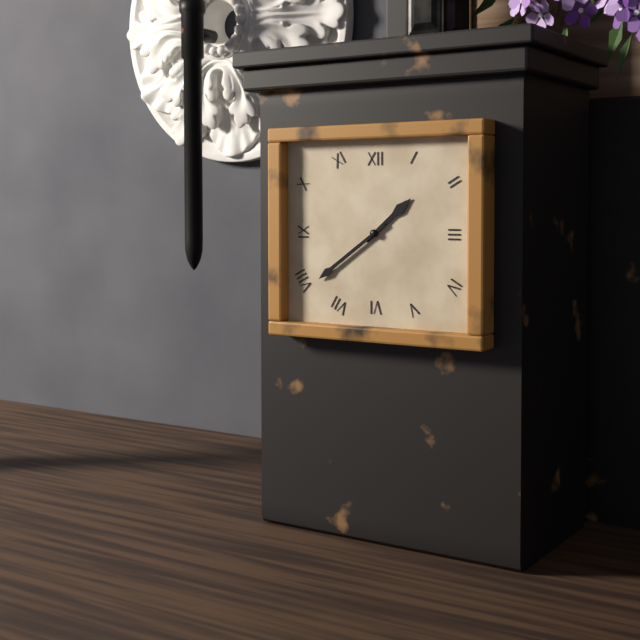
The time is 1h39
